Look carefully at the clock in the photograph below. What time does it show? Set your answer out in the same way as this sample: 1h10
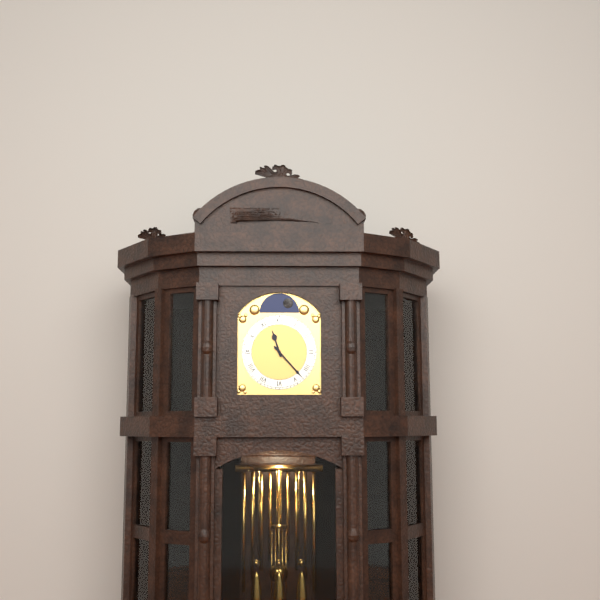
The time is 11h23
